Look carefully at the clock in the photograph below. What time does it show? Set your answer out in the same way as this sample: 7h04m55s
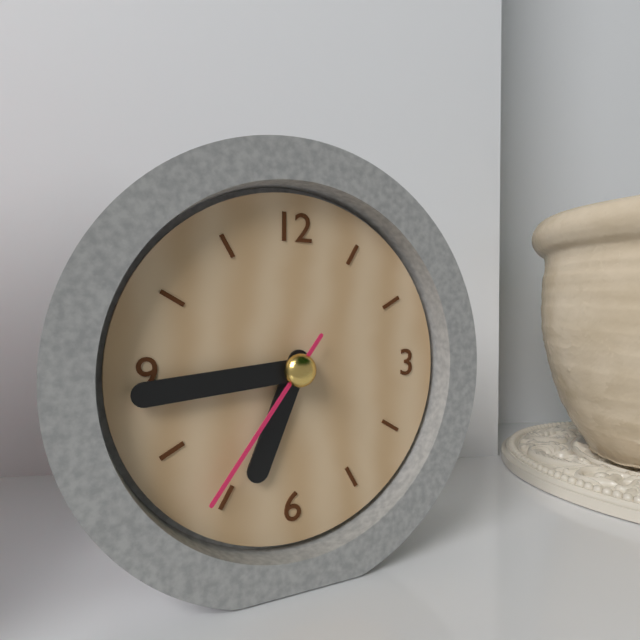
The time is 6h44m36s
